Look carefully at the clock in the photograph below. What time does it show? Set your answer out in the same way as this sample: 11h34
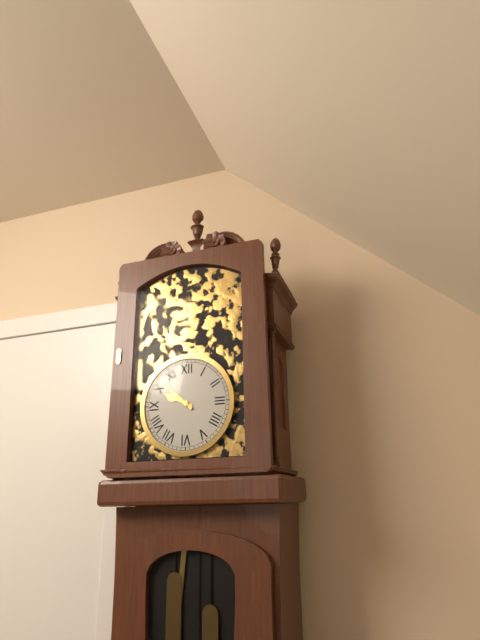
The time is 9h52
